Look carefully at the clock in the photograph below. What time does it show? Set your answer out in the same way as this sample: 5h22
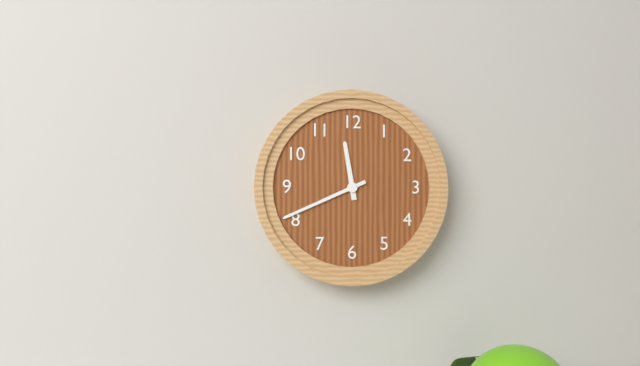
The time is 11h41
